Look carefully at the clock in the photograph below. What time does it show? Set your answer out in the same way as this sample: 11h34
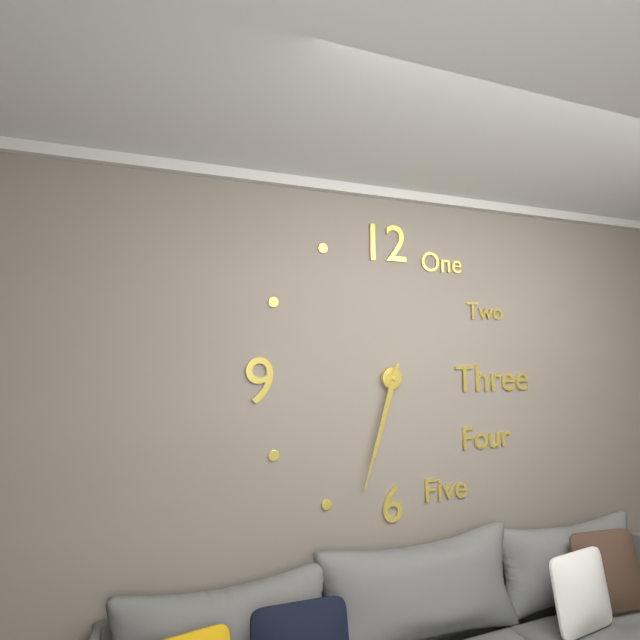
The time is 6h33
